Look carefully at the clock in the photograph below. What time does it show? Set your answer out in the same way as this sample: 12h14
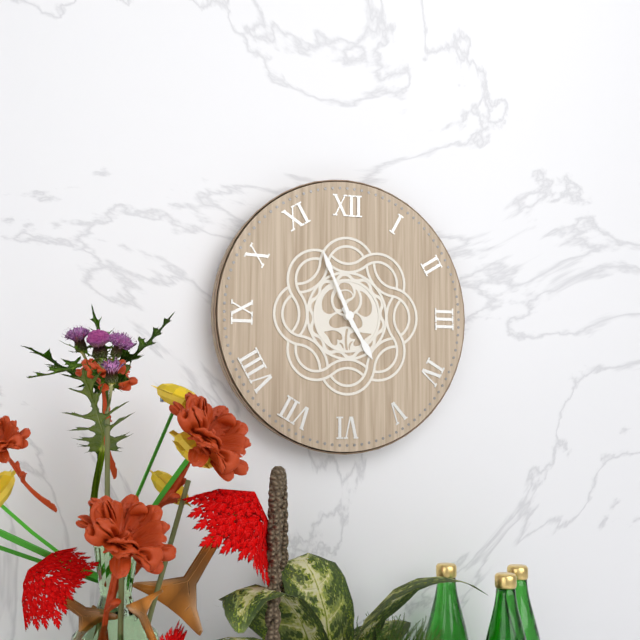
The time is 4h56
